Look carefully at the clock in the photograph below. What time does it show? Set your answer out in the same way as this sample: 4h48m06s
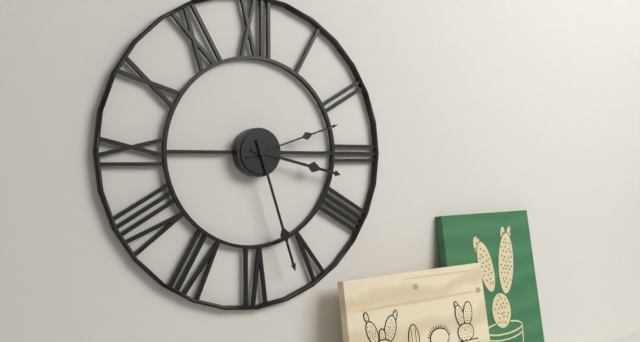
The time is 3h27m12s
